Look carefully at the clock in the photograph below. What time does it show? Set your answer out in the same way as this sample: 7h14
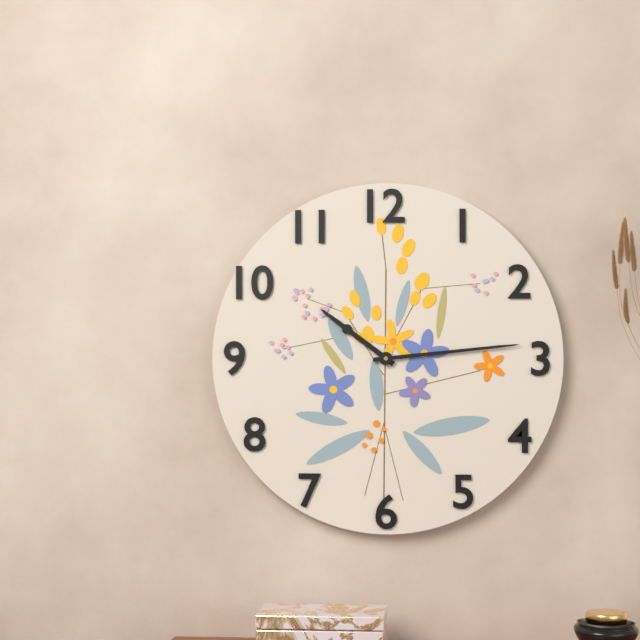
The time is 10h14
